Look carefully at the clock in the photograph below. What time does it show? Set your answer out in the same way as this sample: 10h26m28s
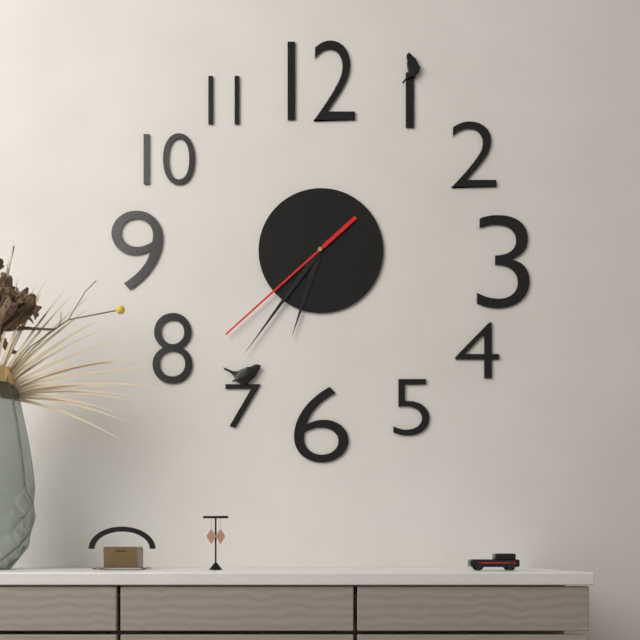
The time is 6h36m38s
